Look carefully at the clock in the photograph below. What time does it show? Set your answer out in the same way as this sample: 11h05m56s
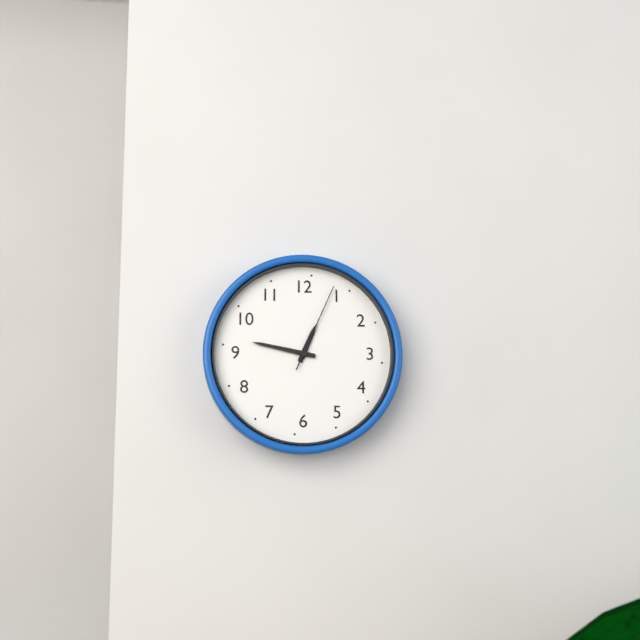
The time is 12h47m04s
